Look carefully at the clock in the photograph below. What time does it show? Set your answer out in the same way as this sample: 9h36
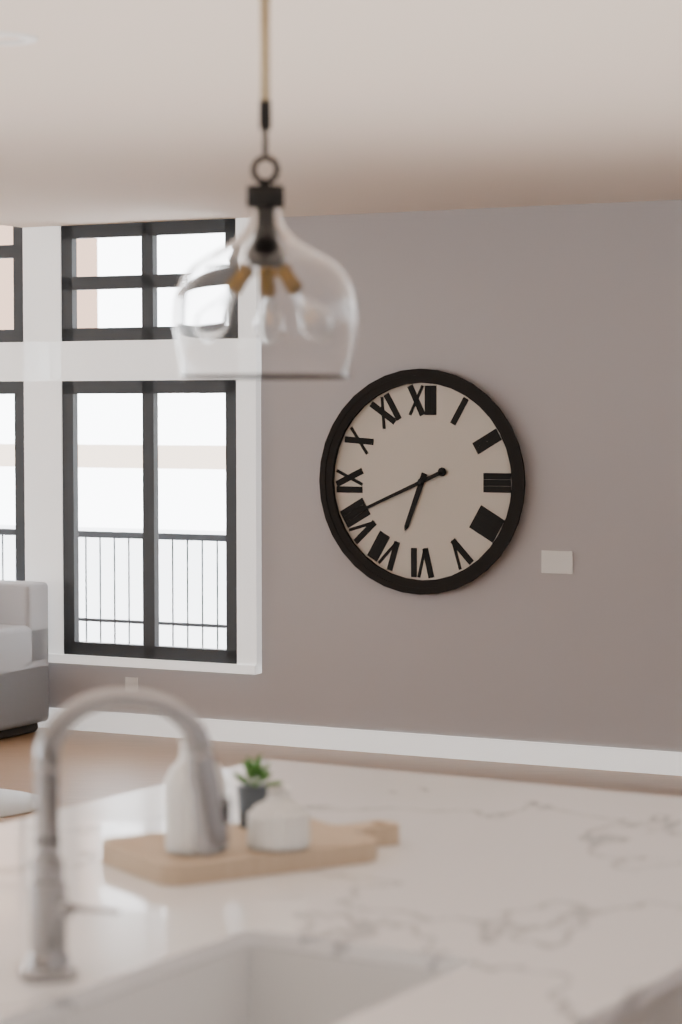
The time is 6h41
